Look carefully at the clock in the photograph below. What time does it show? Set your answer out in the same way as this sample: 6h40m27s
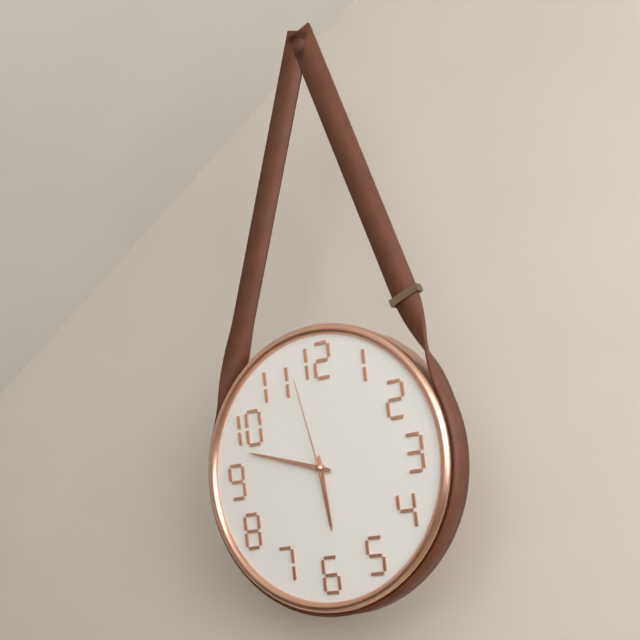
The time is 5h48m58s
